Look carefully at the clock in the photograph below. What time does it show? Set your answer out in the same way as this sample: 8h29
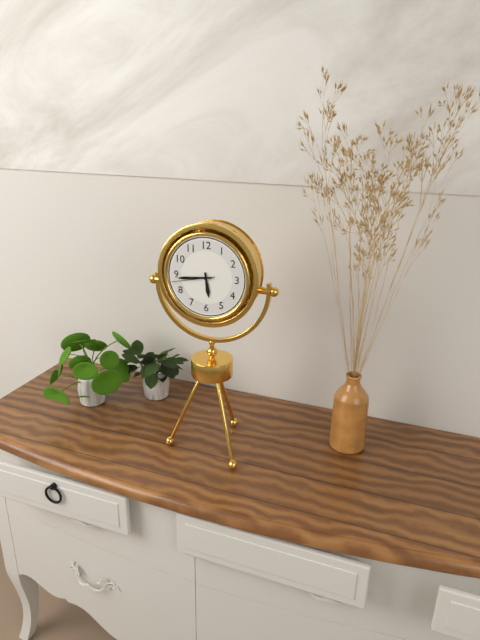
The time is 5h44
